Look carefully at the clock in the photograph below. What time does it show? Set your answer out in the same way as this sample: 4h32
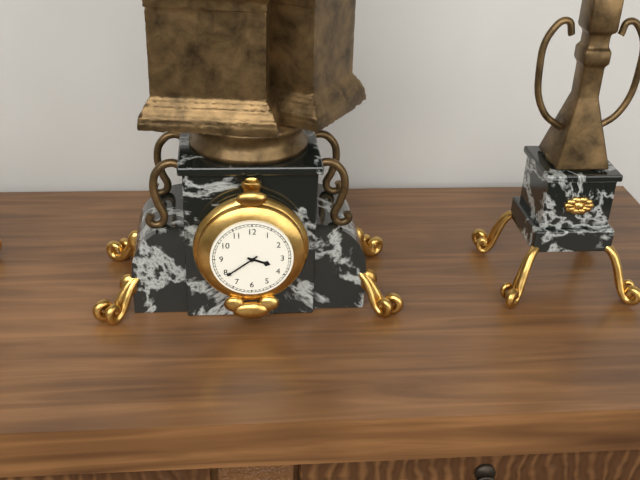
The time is 3h39
